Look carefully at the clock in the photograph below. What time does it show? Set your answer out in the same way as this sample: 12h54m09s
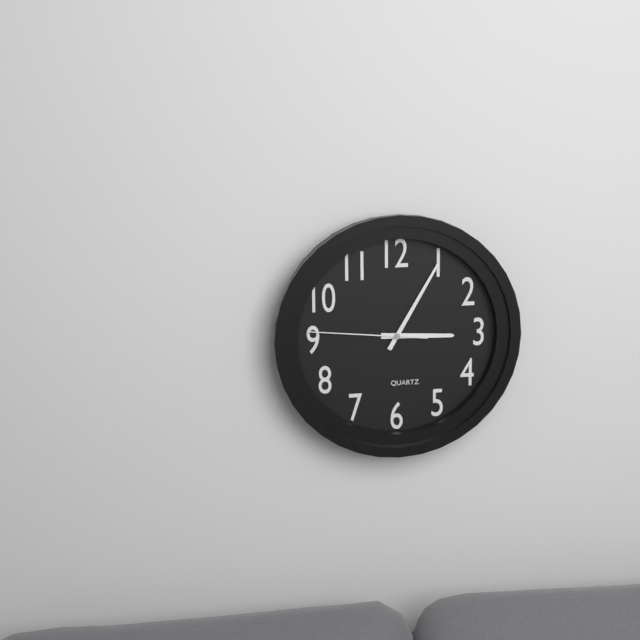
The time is 3h05m46s
